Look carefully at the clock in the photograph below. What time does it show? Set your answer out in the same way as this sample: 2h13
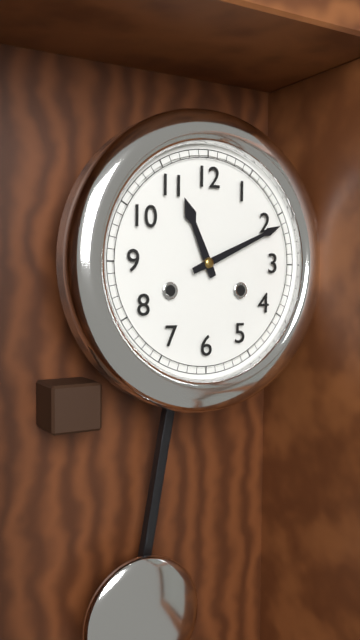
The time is 11h11
